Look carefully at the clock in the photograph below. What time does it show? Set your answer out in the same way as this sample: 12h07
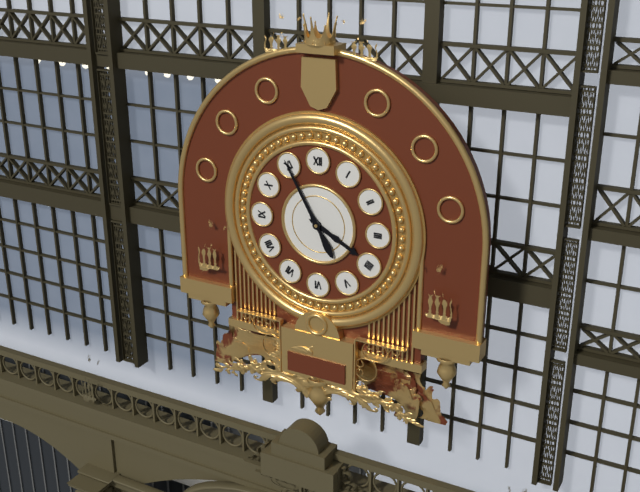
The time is 3h55
